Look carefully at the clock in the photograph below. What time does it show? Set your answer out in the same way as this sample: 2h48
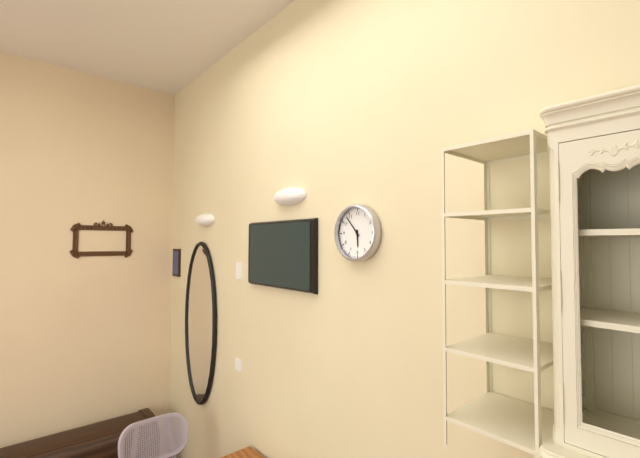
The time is 5h53
